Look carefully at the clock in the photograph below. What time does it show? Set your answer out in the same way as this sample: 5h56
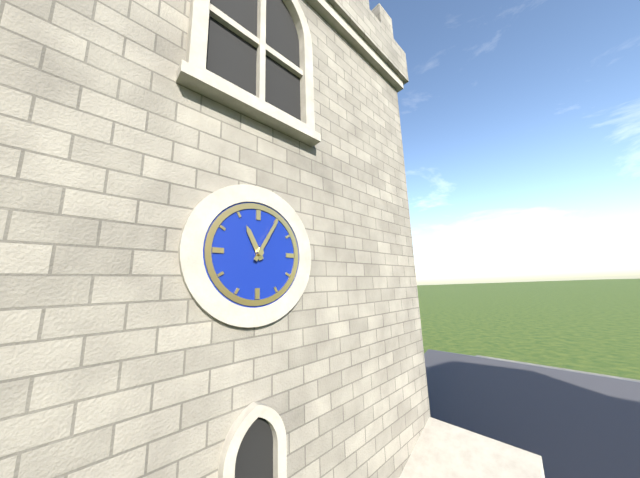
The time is 11h05
